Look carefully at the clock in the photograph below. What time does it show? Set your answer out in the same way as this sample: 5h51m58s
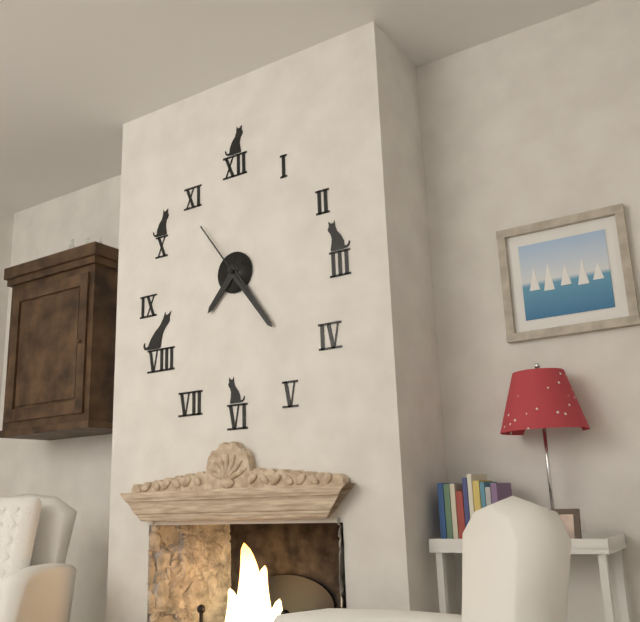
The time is 7h24m54s
